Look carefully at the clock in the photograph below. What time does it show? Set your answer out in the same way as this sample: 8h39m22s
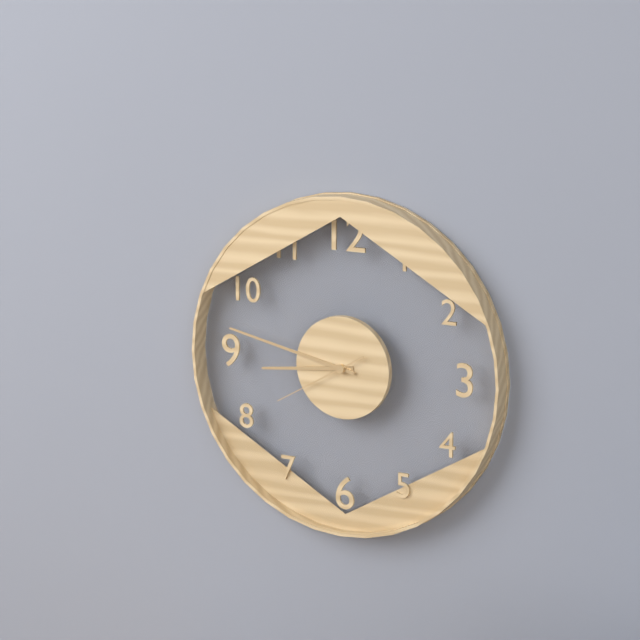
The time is 8h47m40s
